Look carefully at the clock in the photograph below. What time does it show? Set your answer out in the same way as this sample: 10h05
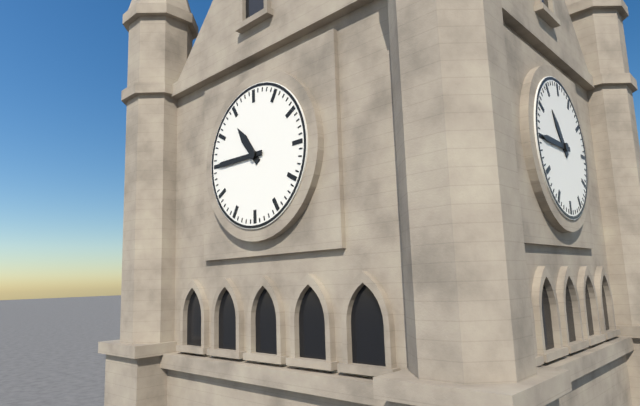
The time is 10h45
